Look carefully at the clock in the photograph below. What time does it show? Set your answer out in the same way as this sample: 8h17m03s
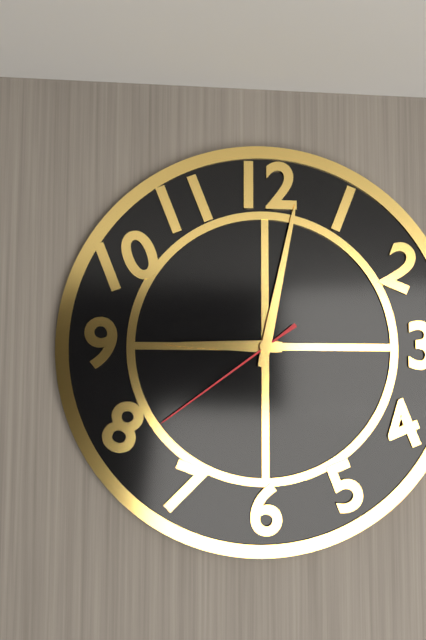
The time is 9h02m39s
